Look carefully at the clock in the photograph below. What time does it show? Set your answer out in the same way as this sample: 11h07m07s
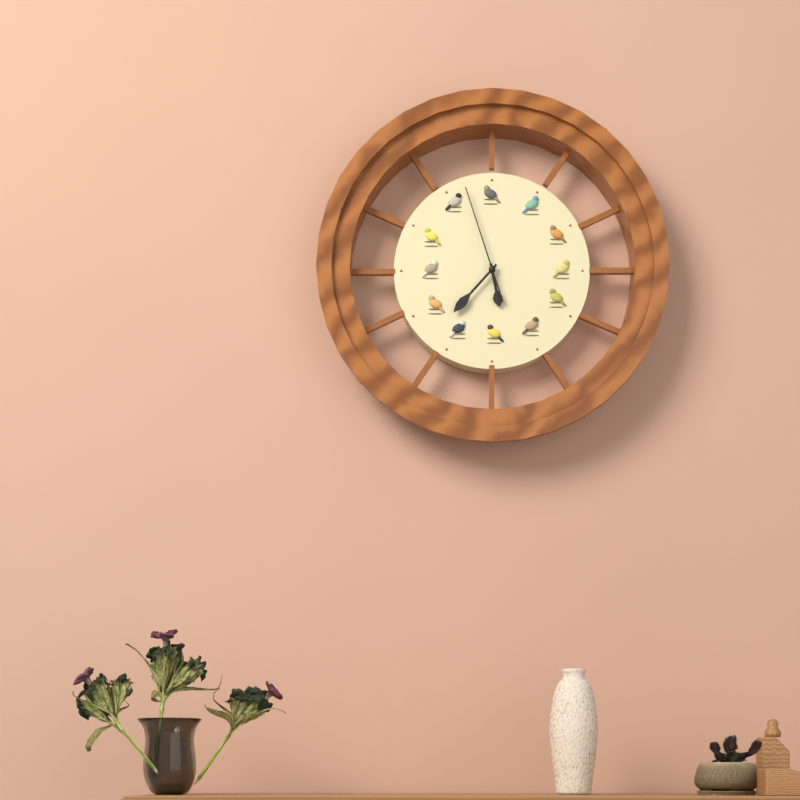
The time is 5h37m57s
